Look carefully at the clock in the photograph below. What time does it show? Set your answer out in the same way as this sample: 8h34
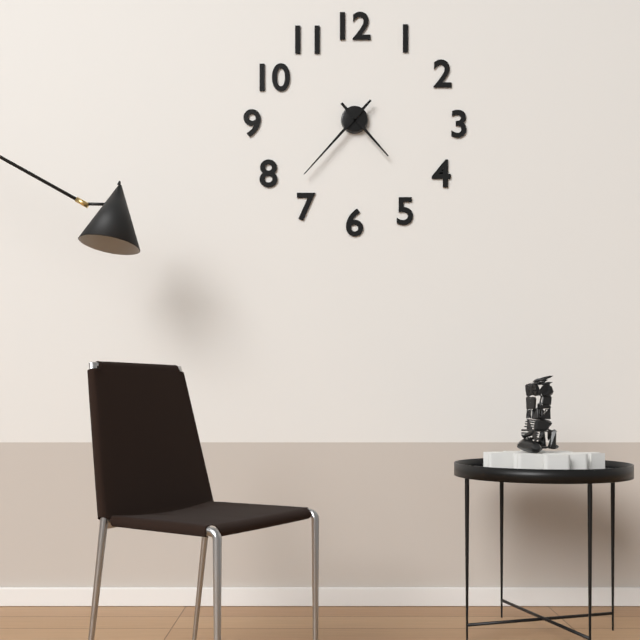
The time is 4h37
